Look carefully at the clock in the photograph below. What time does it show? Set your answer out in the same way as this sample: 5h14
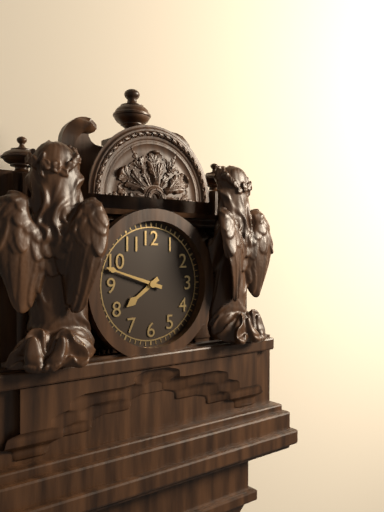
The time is 7h48
